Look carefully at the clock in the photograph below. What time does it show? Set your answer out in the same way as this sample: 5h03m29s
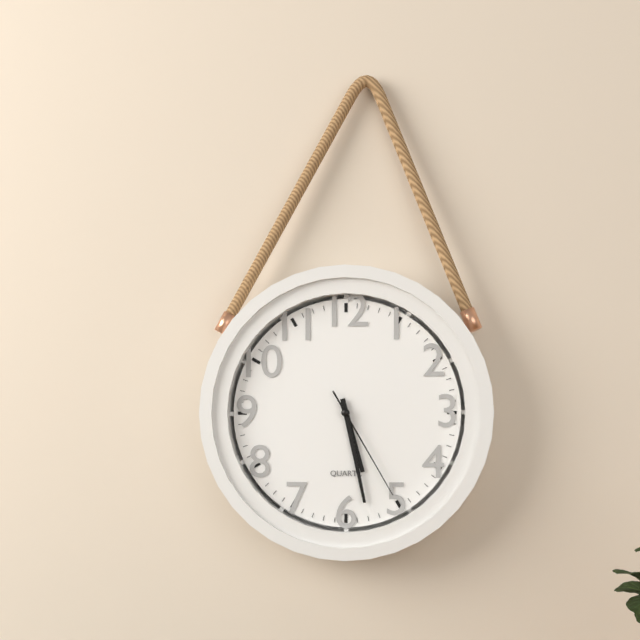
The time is 5h28m25s
